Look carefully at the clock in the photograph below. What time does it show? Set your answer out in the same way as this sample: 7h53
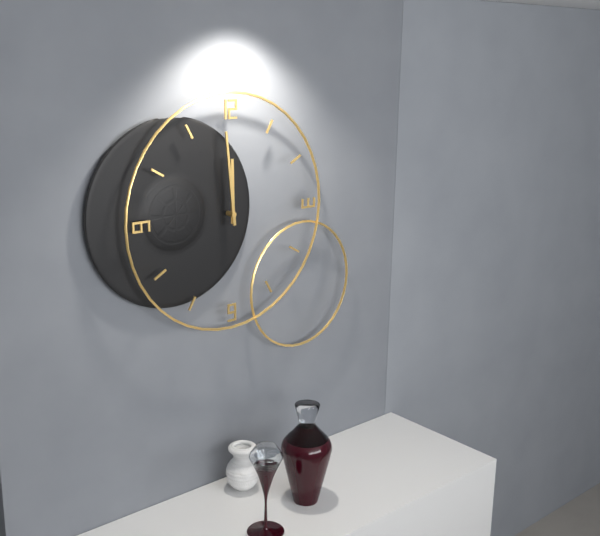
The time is 11h59
